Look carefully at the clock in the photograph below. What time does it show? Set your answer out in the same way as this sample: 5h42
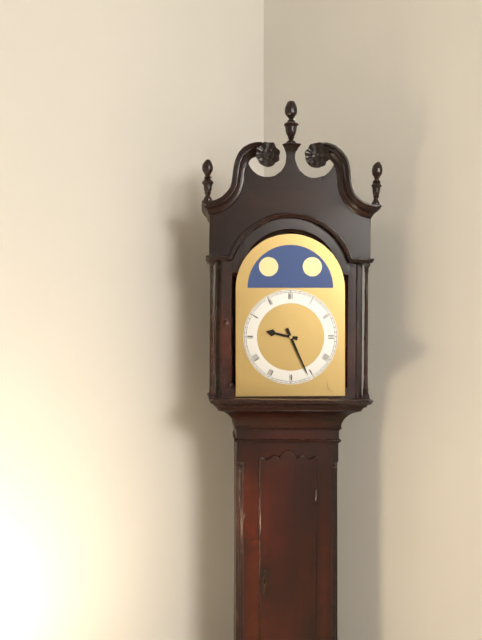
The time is 9h26
